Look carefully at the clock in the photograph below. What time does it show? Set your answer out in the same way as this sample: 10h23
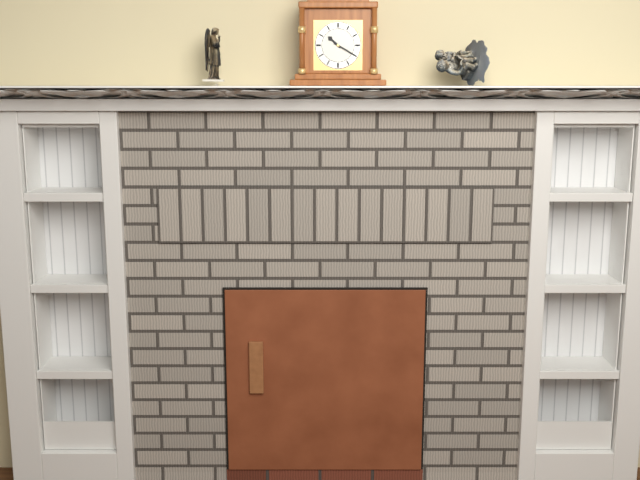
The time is 10h20
